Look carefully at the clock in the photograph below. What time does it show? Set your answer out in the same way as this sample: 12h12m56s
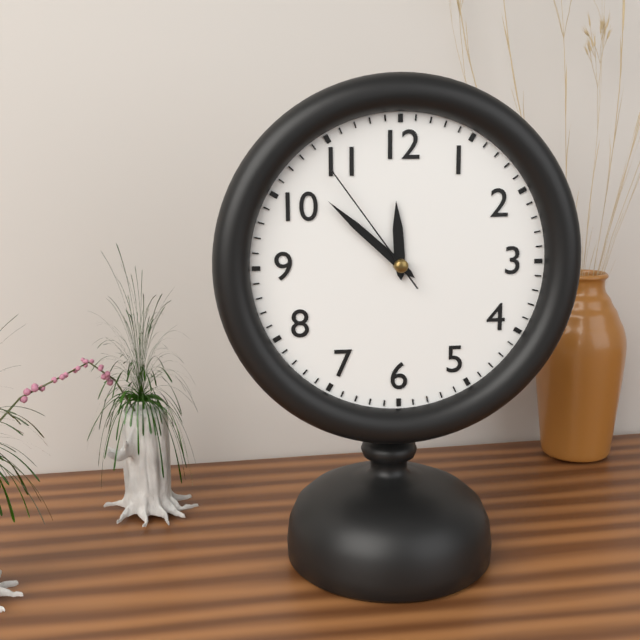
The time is 11h52m54s
